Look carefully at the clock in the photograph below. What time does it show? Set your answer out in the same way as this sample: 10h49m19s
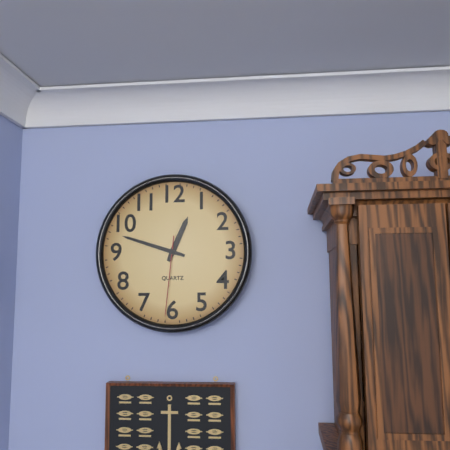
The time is 12h48m31s
